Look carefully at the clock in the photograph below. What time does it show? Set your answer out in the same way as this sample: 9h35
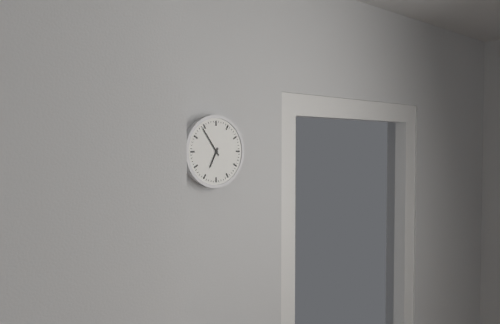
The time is 6h54
